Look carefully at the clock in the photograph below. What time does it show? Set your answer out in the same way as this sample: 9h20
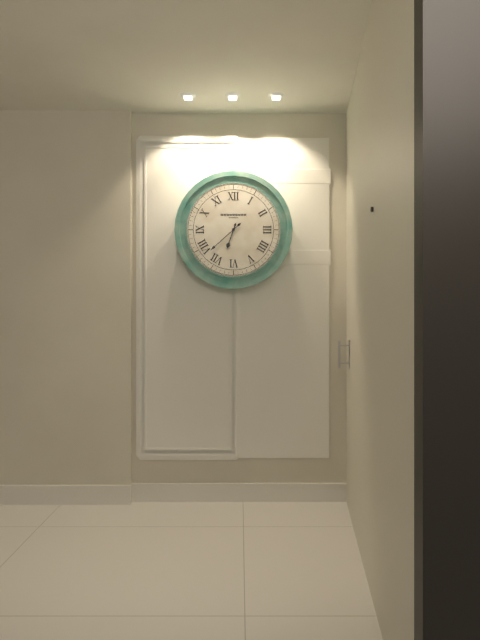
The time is 6h38
